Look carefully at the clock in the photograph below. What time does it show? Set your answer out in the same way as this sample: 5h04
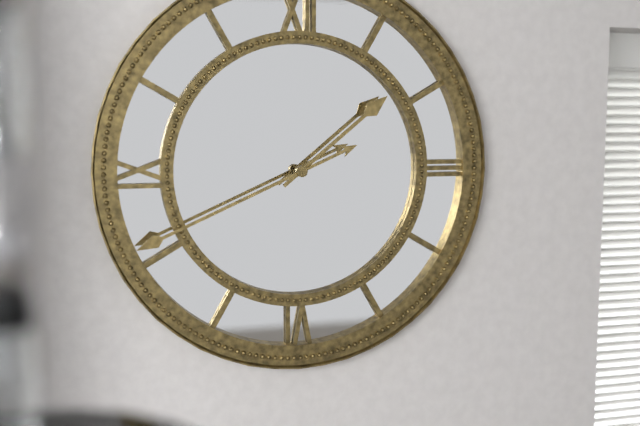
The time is 1h41
